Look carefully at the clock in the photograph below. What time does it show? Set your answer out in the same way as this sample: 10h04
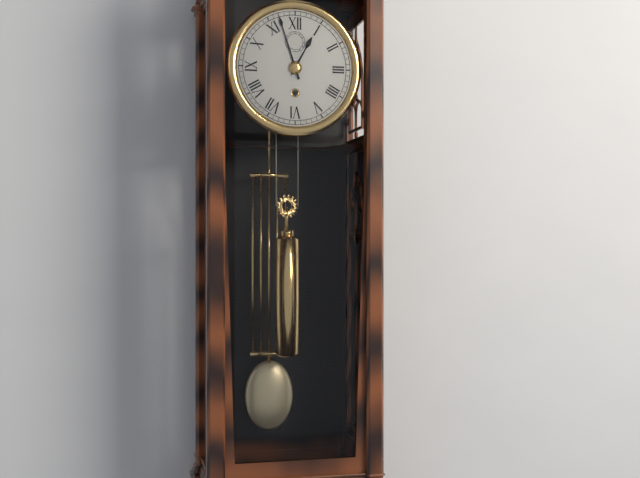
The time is 12h57
